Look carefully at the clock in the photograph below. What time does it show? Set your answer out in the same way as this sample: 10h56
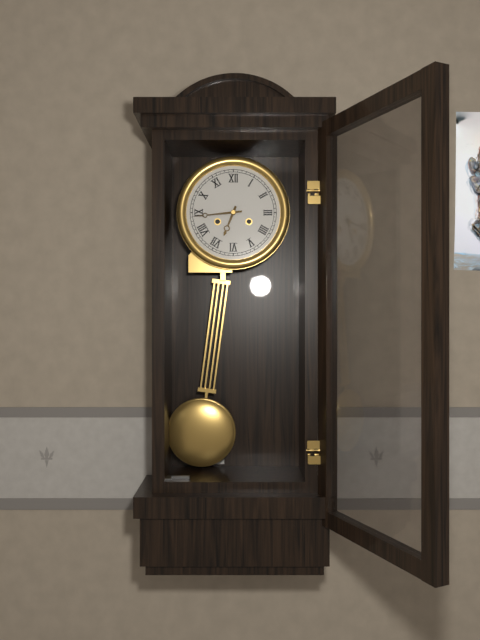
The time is 6h44
